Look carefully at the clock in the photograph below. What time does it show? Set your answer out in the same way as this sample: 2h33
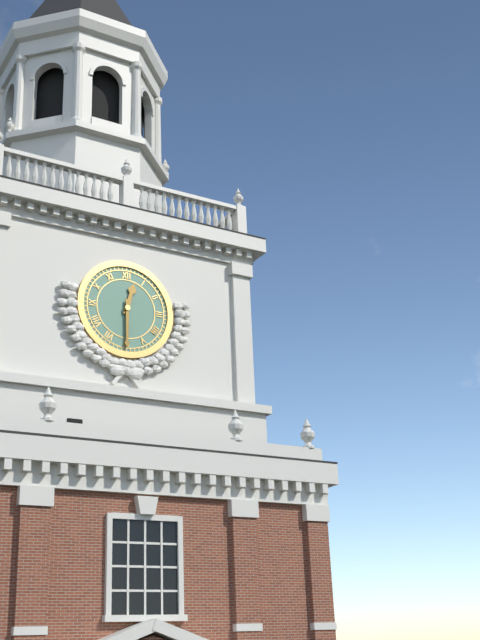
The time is 12h30
